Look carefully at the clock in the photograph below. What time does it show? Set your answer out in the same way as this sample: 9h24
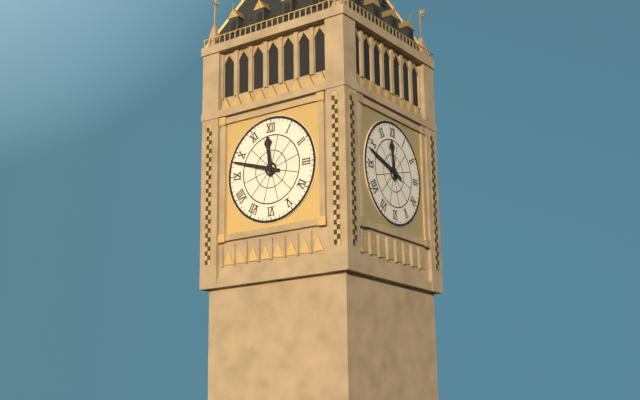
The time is 11h48
